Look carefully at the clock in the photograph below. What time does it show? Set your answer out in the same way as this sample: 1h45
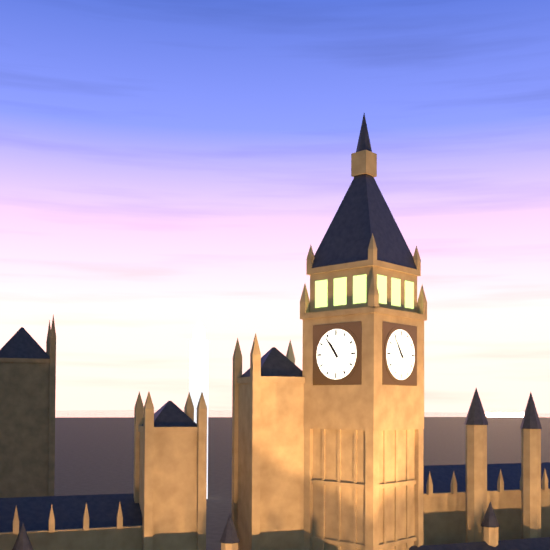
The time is 10h54
